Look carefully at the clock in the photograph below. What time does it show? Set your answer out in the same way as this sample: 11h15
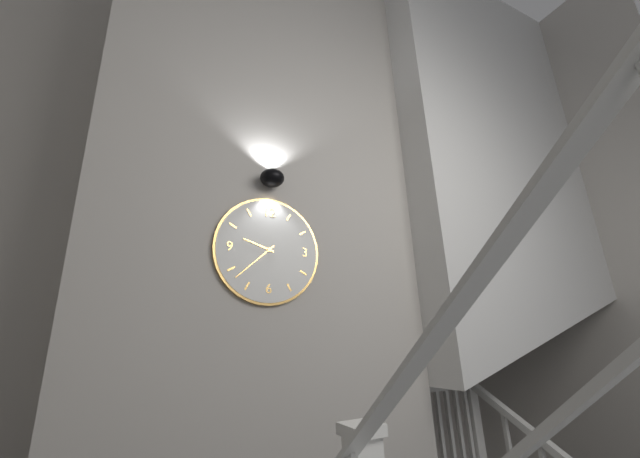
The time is 9h38
